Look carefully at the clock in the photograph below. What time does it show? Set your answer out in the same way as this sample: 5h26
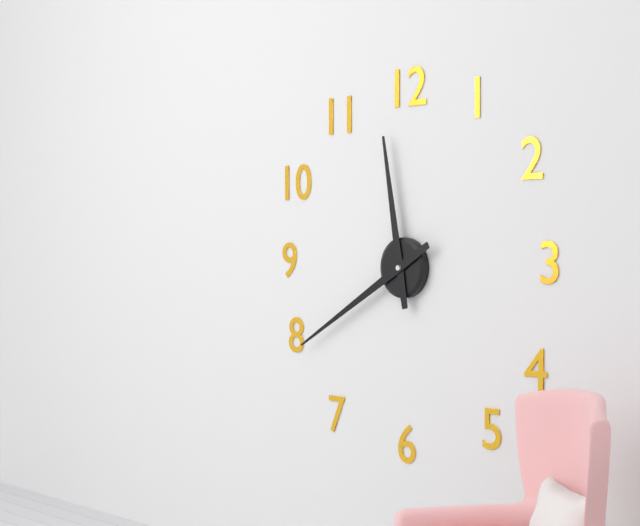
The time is 11h40
